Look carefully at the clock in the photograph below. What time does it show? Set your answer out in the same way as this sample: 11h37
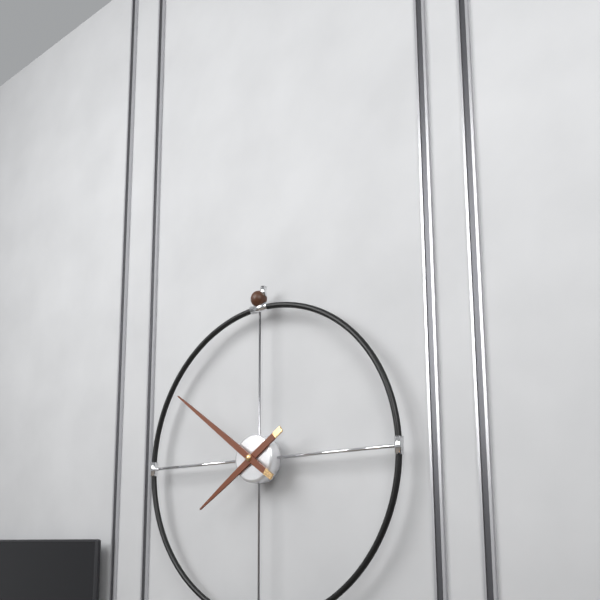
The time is 7h51
